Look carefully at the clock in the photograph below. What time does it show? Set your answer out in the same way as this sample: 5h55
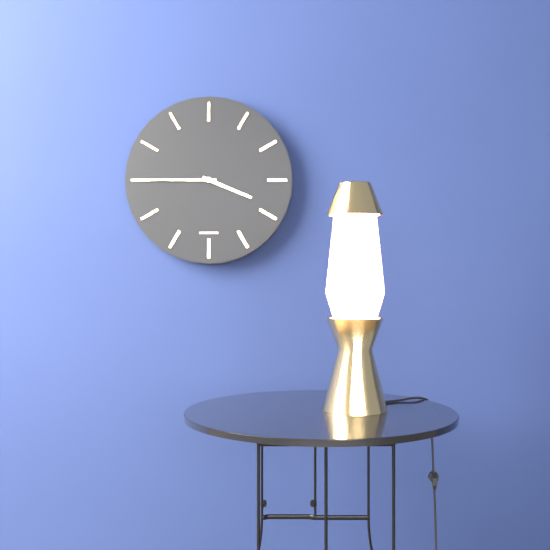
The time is 3h45
